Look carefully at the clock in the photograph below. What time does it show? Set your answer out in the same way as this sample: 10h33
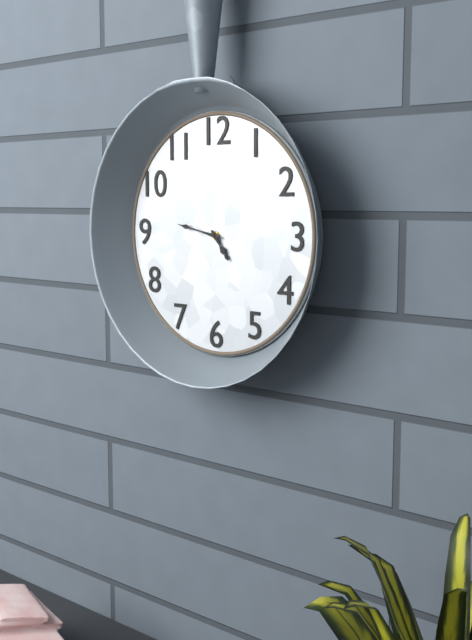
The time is 4h47
